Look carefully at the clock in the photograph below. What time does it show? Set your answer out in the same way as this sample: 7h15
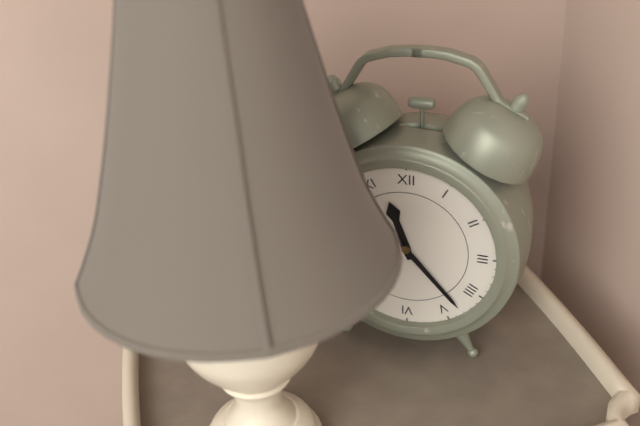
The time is 11h23
